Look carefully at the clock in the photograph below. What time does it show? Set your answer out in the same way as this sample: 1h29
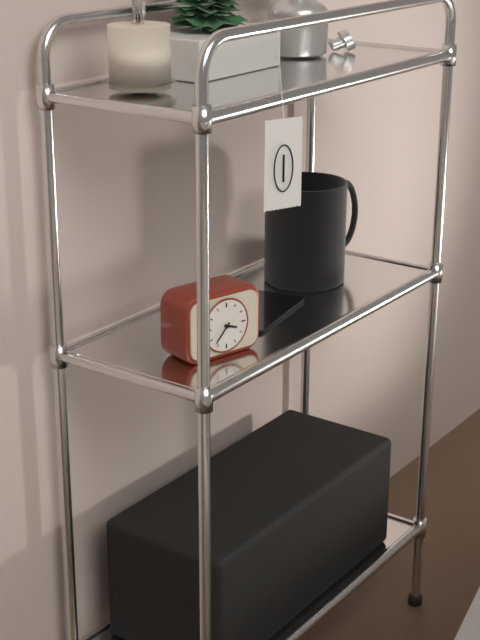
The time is 3h37
